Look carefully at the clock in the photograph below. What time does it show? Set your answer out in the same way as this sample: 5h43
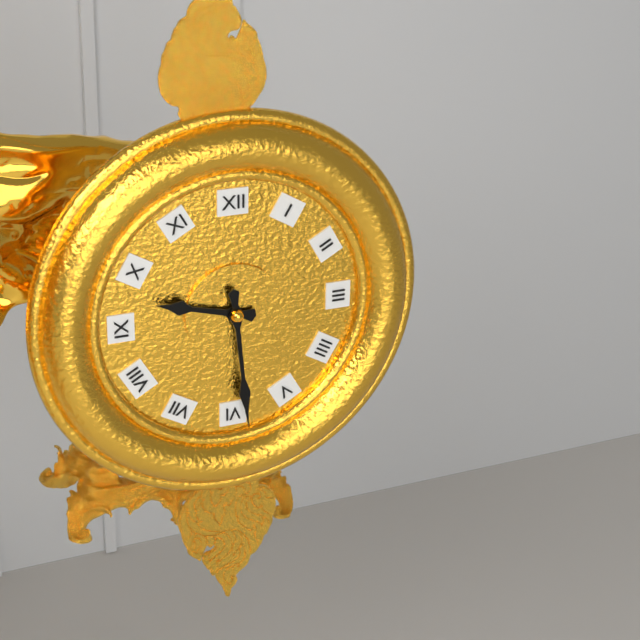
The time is 9h29
